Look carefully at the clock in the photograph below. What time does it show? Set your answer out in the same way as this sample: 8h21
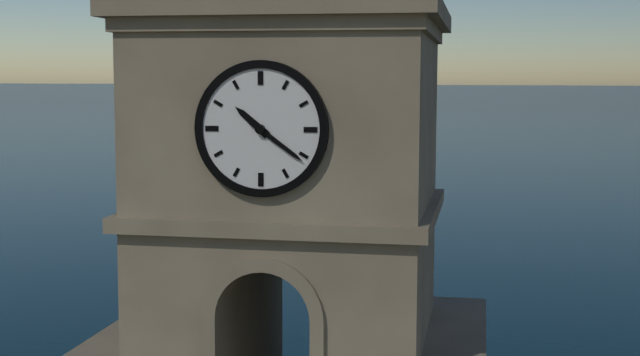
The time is 10h21
